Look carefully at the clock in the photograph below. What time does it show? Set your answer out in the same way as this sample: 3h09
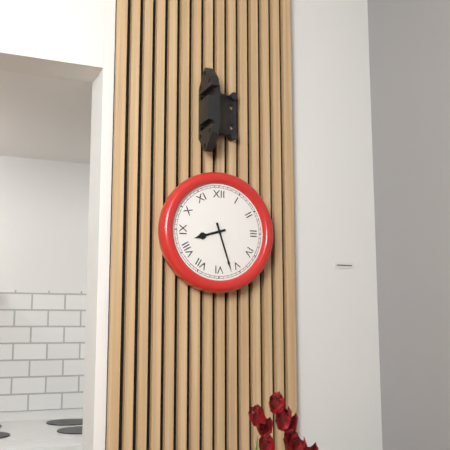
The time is 8h27
